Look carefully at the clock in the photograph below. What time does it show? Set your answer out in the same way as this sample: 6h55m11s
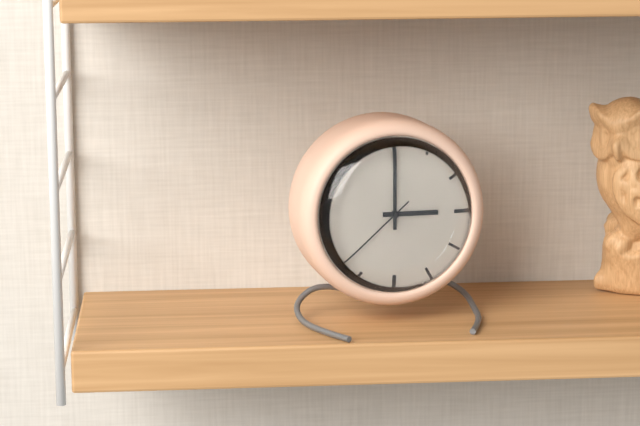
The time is 3h00m38s
